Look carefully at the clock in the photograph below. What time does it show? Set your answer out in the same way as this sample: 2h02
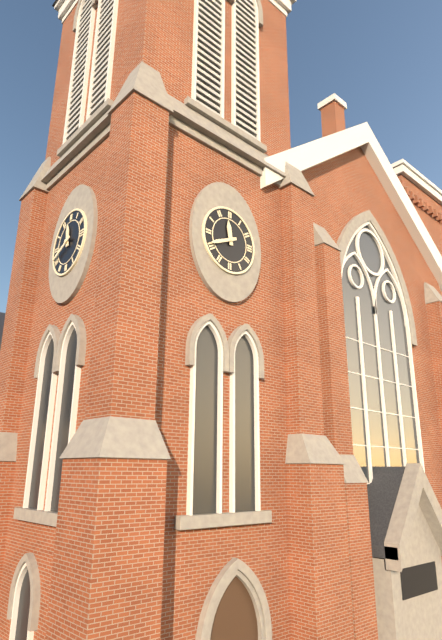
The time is 11h41
